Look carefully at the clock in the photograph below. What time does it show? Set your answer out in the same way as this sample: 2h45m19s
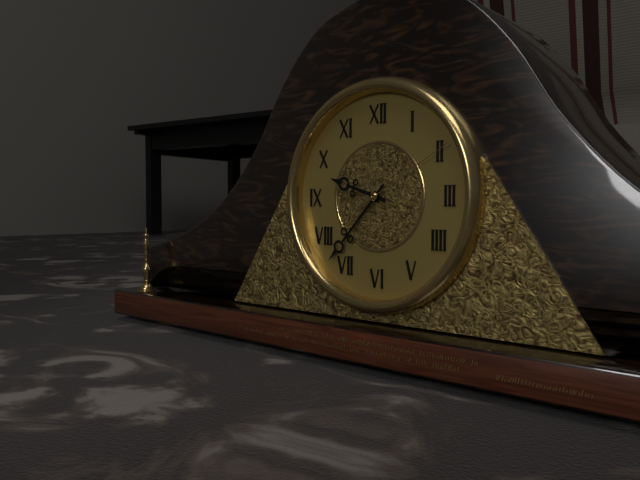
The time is 9h37m10s
